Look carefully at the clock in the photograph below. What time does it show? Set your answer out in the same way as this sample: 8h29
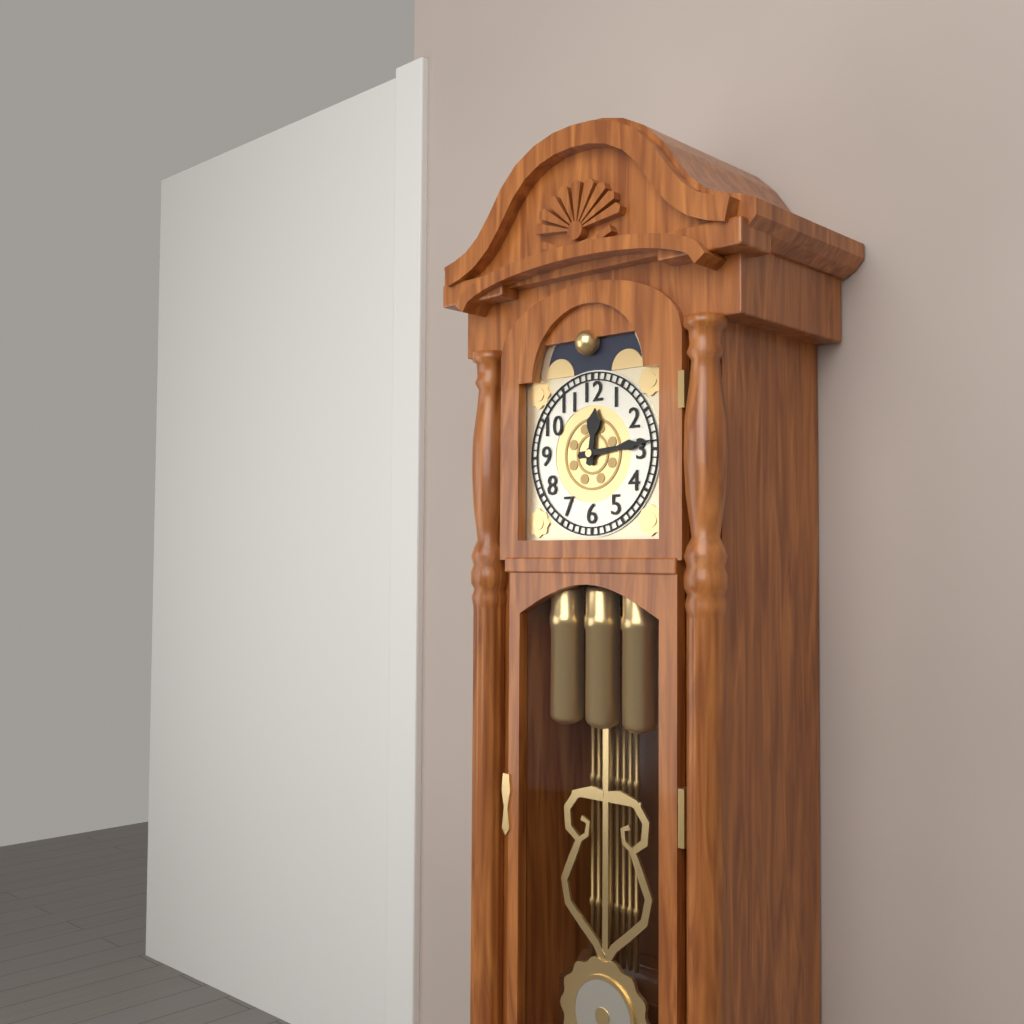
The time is 12h14
